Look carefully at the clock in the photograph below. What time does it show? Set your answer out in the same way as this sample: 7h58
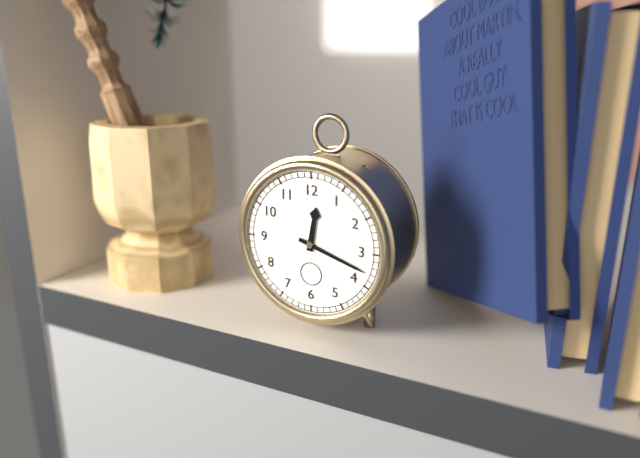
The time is 12h18
